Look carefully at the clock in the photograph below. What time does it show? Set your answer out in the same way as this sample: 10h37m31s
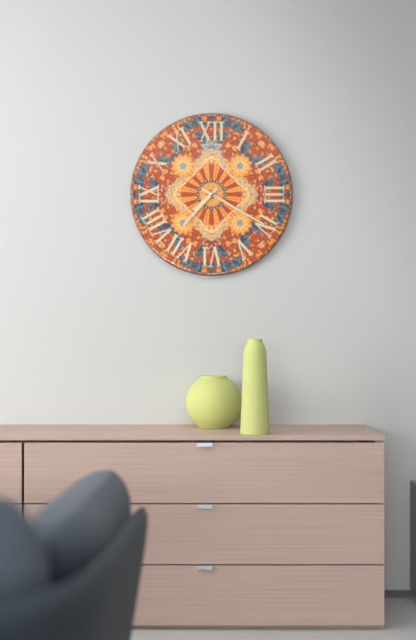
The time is 7h37m20s
